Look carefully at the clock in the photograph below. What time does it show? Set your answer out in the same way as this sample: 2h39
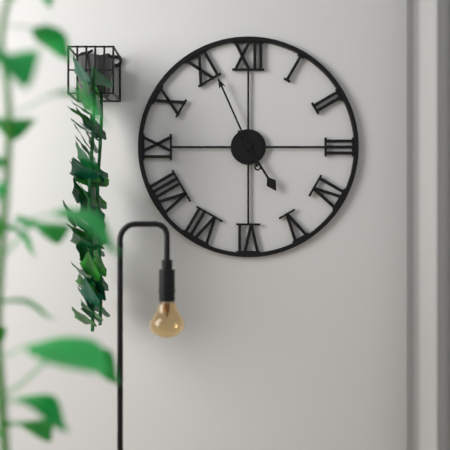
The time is 4h56
